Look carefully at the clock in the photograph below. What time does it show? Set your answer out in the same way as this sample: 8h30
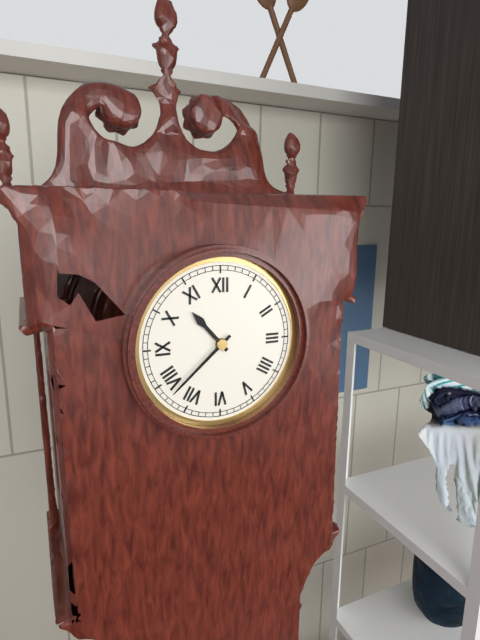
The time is 10h38
